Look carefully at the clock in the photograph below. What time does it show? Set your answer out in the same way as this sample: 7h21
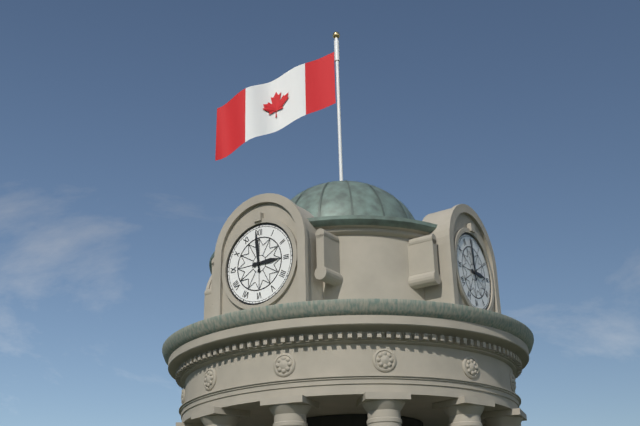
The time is 2h59
